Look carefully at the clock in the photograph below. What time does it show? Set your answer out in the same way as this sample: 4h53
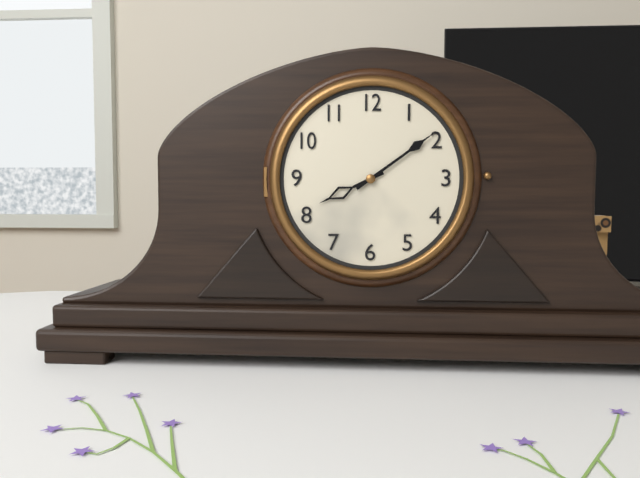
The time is 8h09
